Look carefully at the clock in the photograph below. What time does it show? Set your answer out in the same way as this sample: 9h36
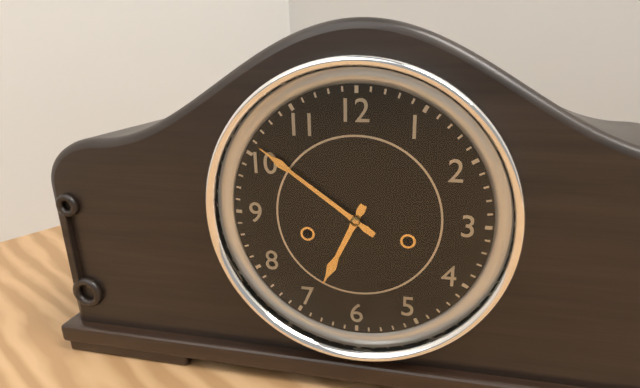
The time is 6h51
